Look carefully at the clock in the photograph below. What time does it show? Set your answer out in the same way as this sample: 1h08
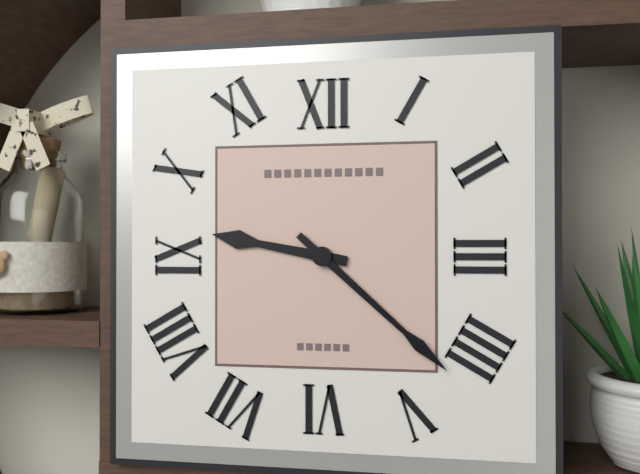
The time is 9h22
